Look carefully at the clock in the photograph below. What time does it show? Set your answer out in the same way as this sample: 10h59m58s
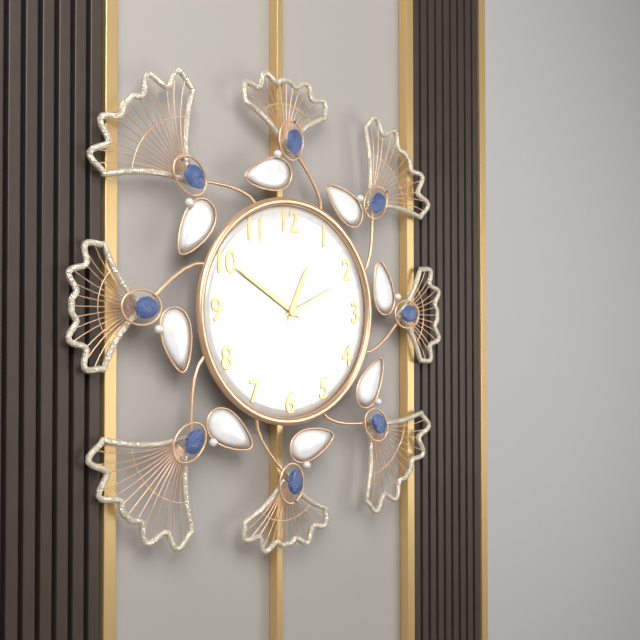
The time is 12h50m11s
